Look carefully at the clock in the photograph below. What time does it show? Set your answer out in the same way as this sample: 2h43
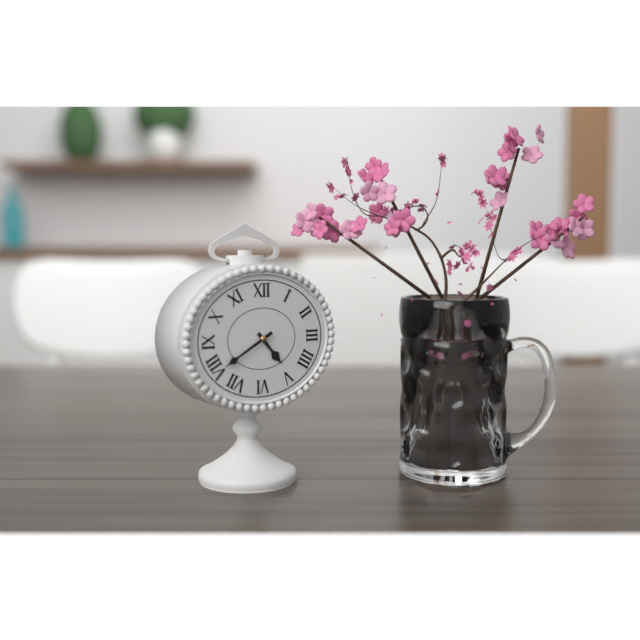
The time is 4h40
